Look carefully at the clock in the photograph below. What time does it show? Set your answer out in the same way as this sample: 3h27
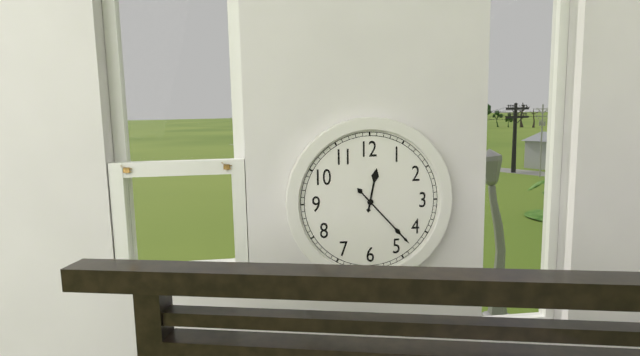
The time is 12h23
